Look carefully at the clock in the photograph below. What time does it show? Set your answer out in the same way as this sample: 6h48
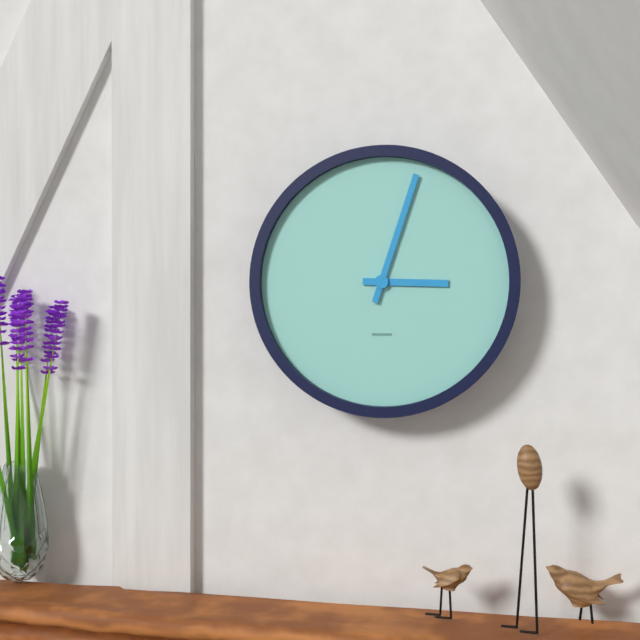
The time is 3h03
